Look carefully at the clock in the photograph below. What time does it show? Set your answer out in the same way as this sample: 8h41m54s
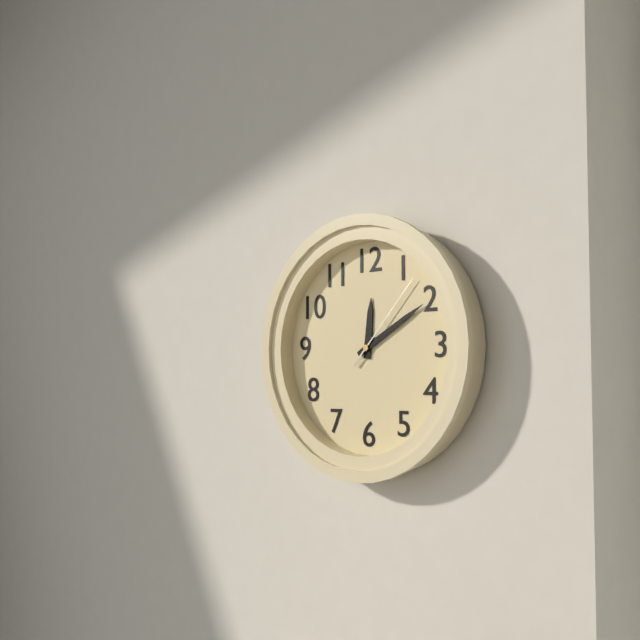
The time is 12h10m07s
